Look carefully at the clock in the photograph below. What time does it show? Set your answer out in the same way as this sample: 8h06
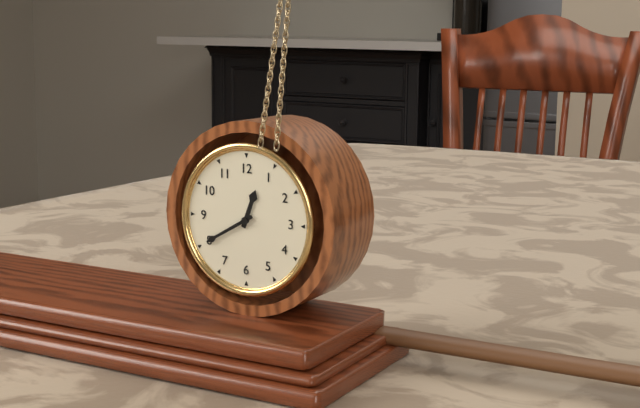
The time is 12h40
